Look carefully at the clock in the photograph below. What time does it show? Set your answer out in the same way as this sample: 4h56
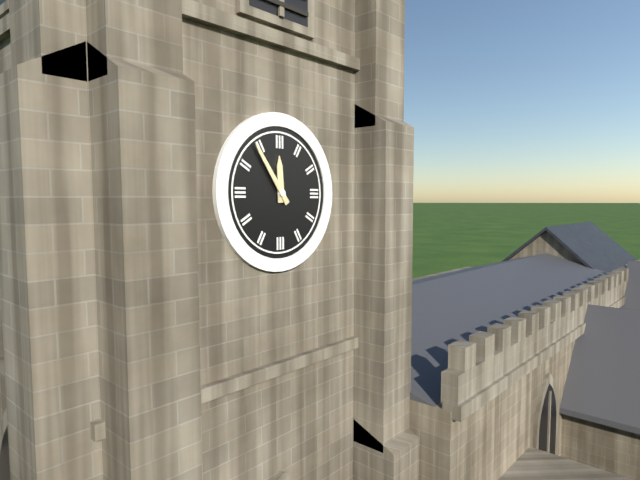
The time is 11h54
